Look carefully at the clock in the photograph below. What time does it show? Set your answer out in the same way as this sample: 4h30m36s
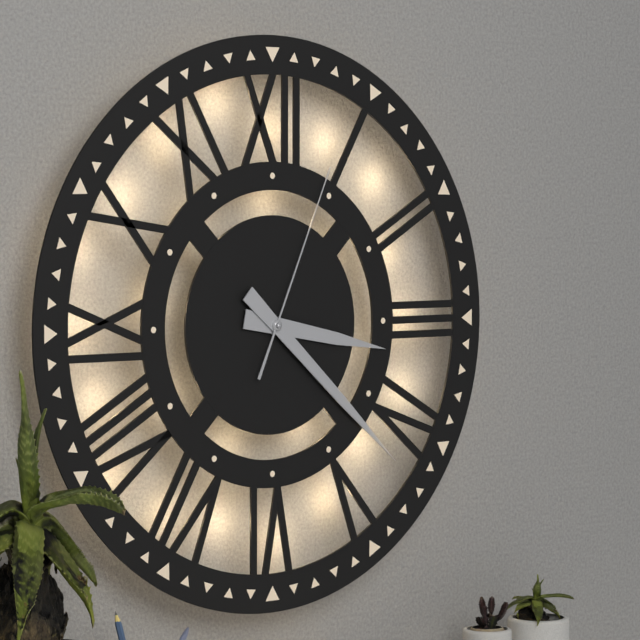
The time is 3h22m04s
